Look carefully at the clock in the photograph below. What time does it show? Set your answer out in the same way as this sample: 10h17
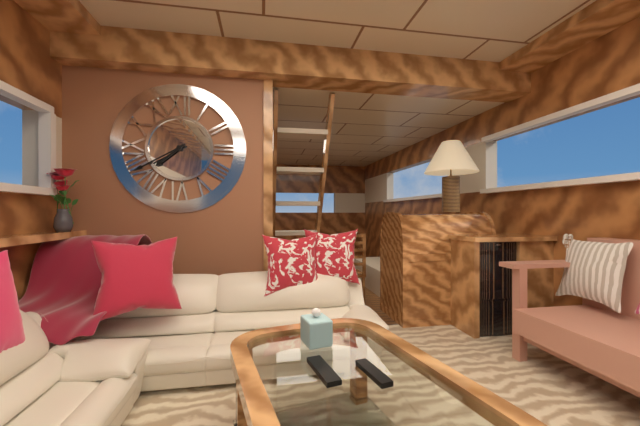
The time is 7h40
